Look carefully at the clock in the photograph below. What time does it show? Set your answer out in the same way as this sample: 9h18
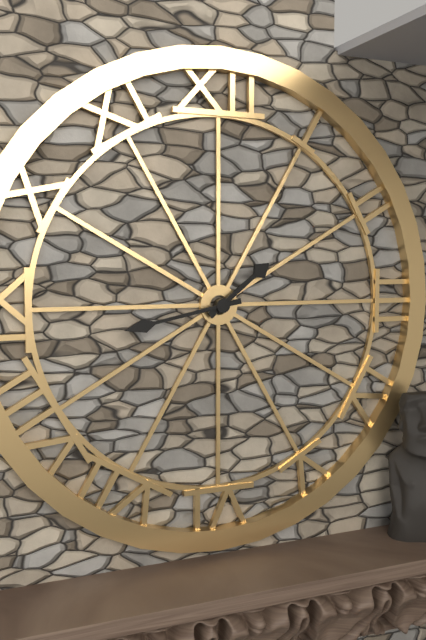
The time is 1h43
